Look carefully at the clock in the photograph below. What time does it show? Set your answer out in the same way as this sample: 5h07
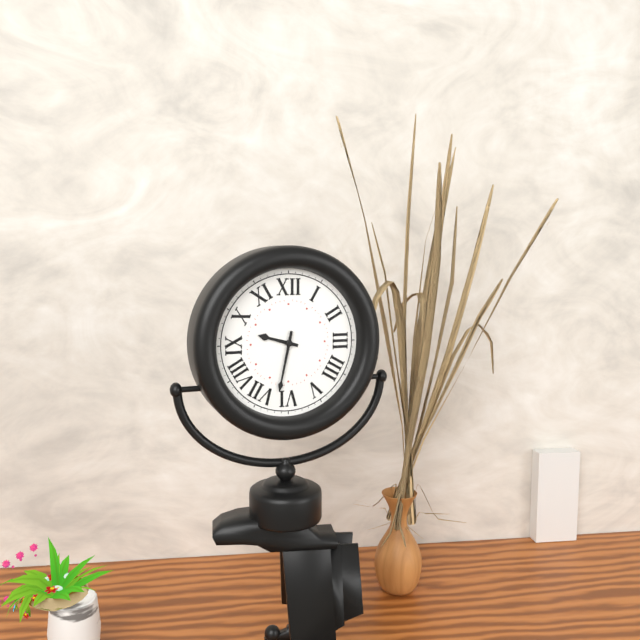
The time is 9h32
